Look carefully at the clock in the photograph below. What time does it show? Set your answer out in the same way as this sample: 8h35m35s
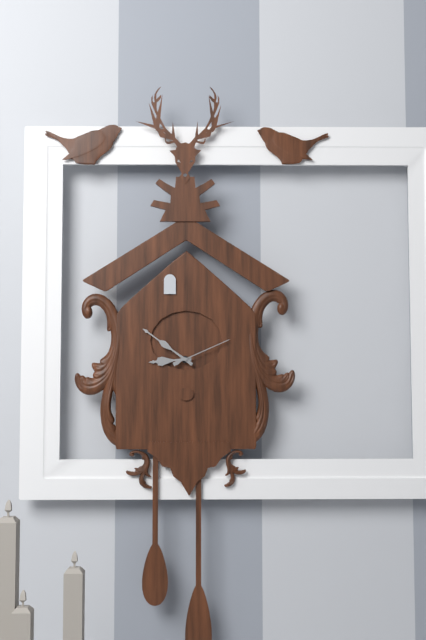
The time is 8h51m11s
